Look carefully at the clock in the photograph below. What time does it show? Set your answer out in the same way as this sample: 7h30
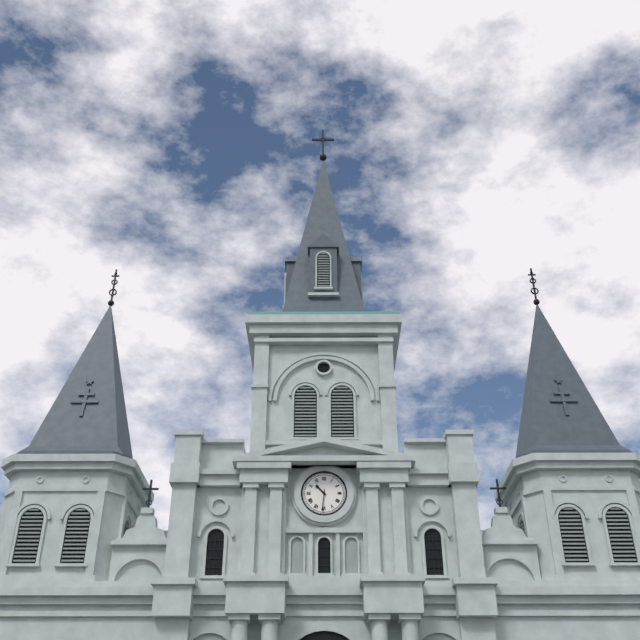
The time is 10h31
